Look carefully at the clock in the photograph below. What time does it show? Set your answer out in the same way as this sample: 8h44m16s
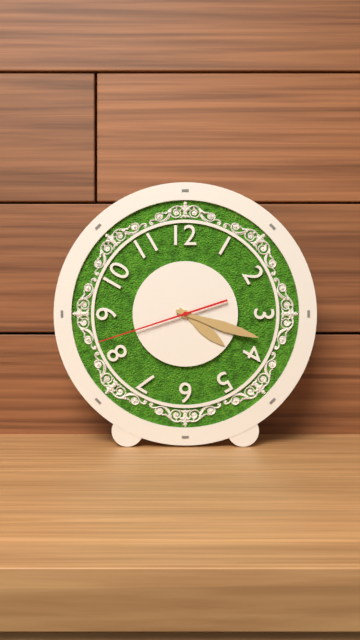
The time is 4h18m42s
